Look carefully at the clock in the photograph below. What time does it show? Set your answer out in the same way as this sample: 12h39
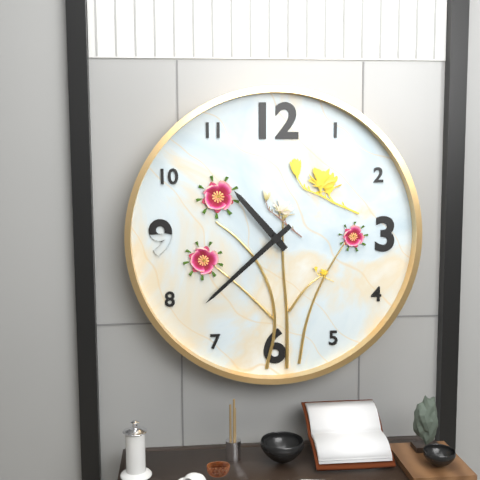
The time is 10h38
